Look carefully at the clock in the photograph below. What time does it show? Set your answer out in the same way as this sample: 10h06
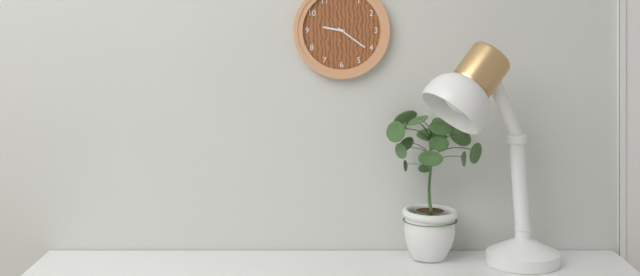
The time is 9h21
